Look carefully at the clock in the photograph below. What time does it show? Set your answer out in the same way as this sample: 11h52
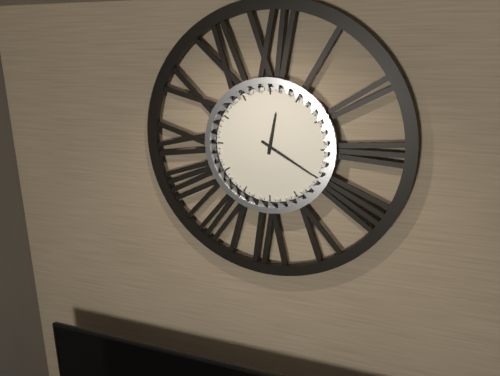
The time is 12h20
